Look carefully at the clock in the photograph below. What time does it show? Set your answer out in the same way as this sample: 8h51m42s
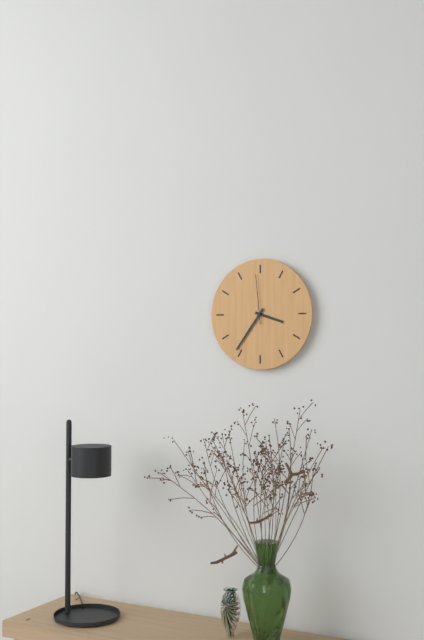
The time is 3h36m59s
